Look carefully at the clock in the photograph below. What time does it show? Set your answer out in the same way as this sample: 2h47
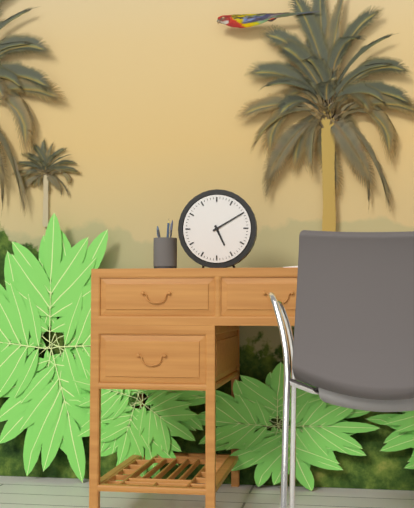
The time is 5h10
